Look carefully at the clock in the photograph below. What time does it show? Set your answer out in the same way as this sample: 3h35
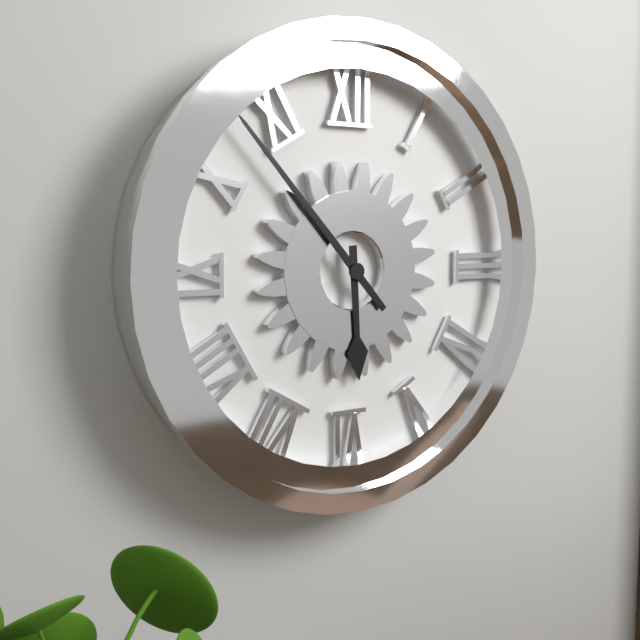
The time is 5h53
